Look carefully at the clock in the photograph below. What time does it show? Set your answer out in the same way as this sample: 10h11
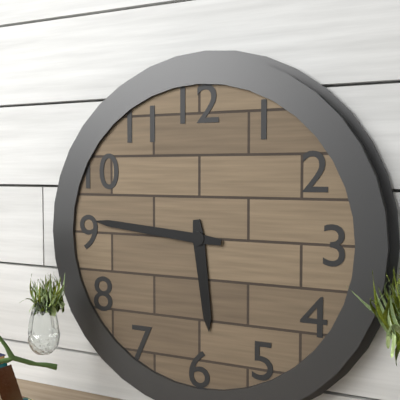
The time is 5h46
